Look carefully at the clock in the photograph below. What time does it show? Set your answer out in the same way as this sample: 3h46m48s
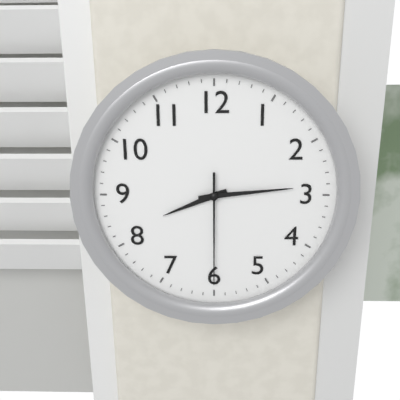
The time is 8h14m30s
